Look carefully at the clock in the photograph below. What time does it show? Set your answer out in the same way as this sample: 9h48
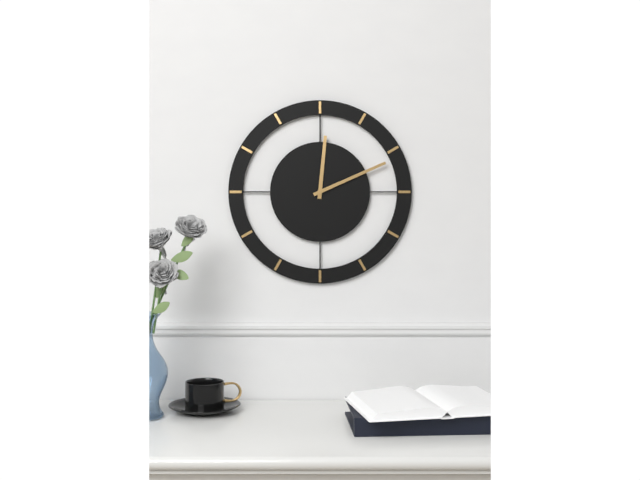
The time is 12h11
